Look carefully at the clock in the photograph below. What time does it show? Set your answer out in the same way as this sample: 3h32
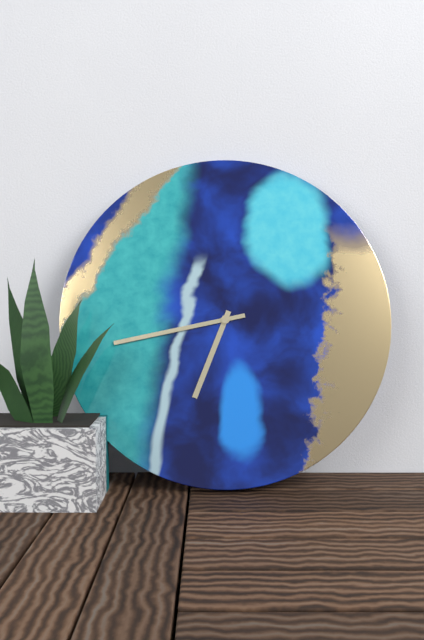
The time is 6h43
